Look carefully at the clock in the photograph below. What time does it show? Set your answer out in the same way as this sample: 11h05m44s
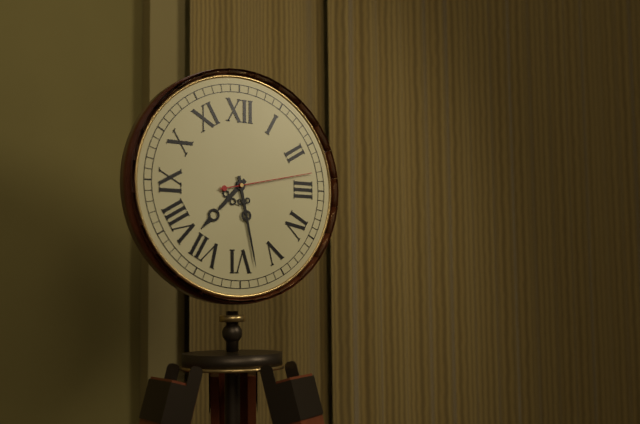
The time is 7h28m13s
